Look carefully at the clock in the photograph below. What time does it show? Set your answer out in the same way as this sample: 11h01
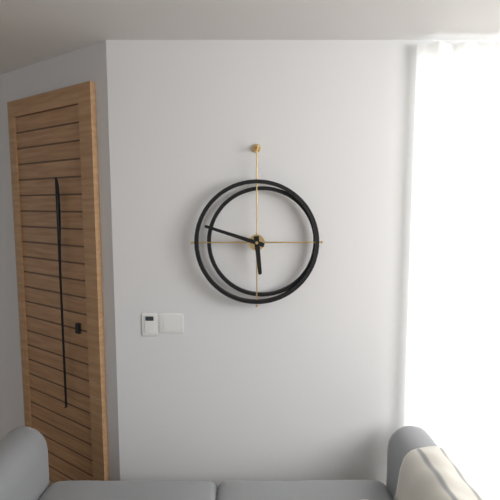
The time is 5h48
